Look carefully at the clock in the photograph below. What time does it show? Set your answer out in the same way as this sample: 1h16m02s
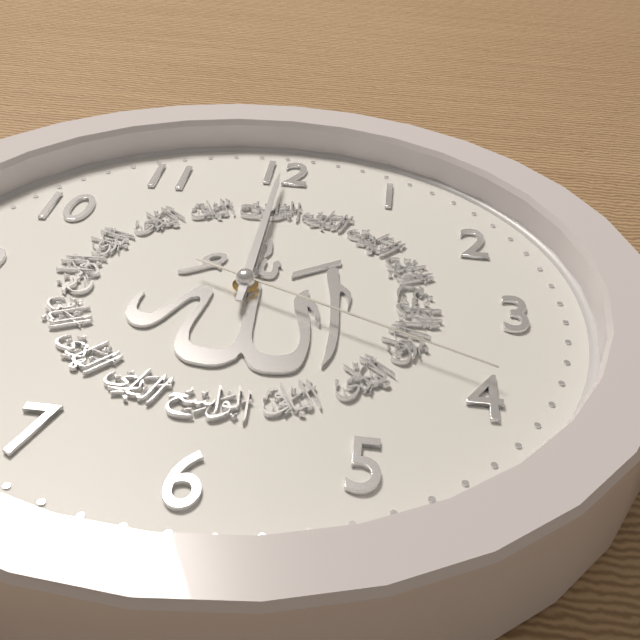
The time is 12h00m19s
